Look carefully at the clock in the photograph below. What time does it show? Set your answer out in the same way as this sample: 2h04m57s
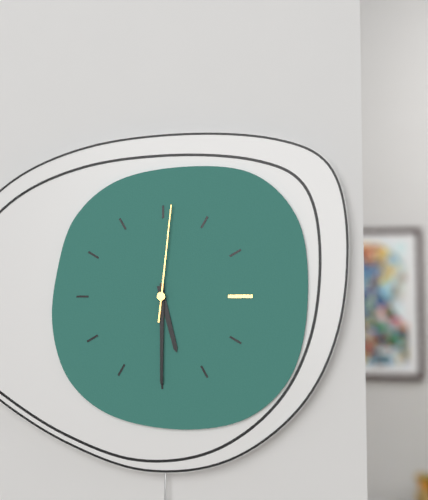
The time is 5h30m01s
